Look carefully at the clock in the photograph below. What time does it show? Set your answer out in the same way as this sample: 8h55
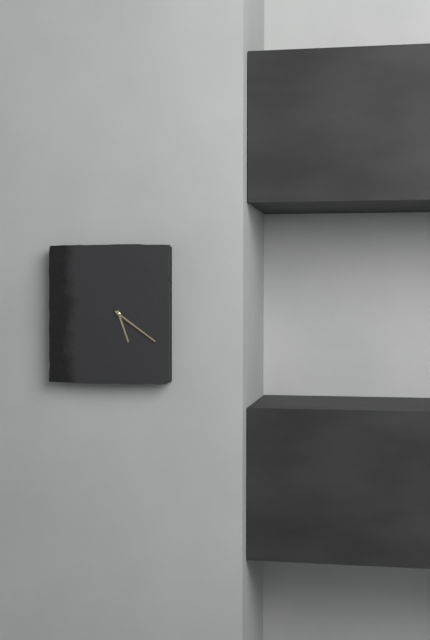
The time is 5h21
